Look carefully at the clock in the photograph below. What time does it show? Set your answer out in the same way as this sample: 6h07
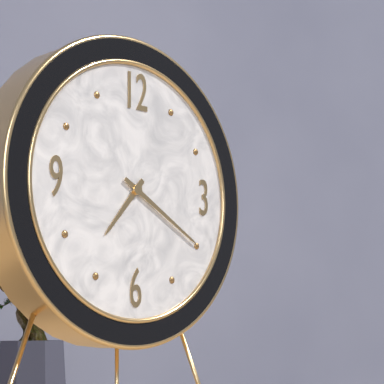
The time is 7h20
